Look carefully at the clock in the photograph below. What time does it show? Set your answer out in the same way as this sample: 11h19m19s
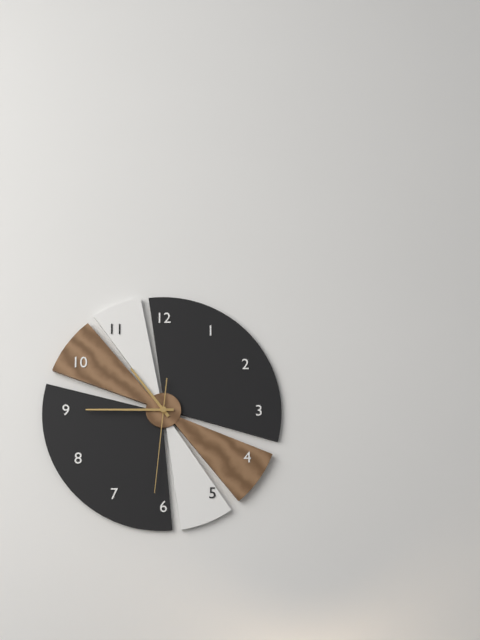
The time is 10h45m31s
